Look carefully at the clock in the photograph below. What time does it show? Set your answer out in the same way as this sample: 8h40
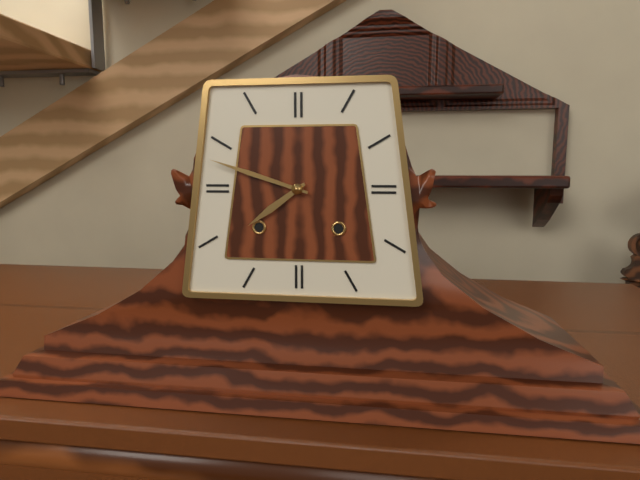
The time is 7h48
